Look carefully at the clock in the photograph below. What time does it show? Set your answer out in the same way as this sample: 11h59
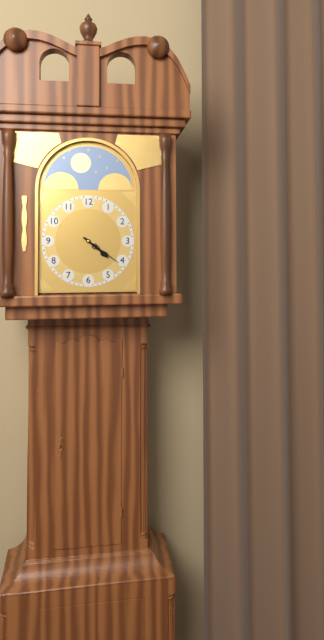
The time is 4h21
